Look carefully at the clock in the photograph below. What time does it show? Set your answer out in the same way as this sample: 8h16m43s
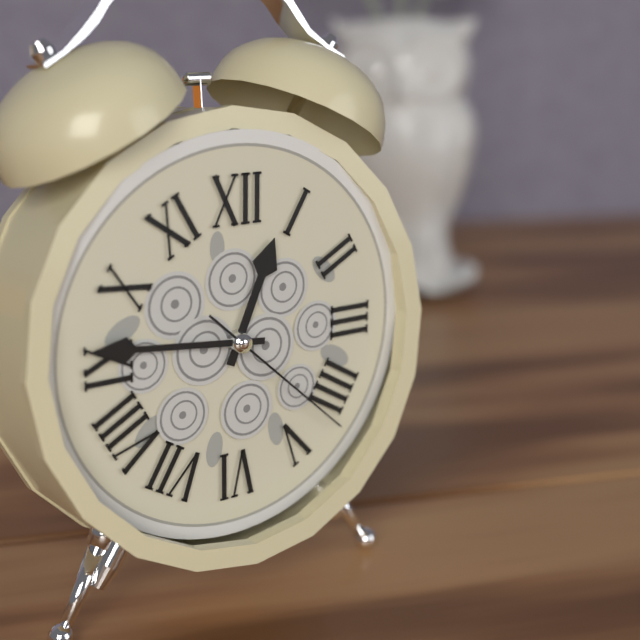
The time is 12h46m22s
